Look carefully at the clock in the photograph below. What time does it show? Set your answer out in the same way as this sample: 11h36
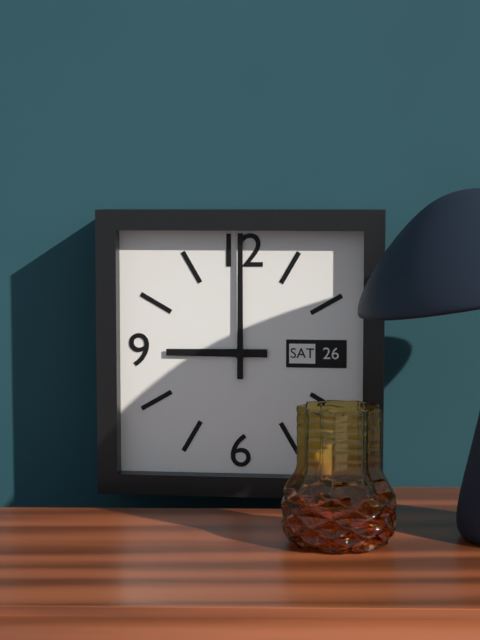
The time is 9h00
